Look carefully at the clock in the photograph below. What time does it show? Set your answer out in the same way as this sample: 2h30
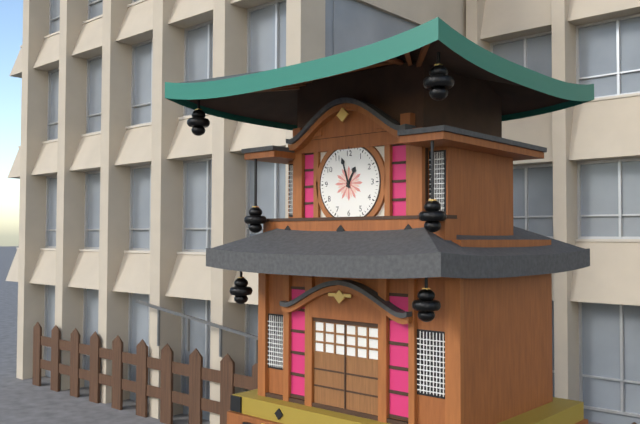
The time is 12h57
